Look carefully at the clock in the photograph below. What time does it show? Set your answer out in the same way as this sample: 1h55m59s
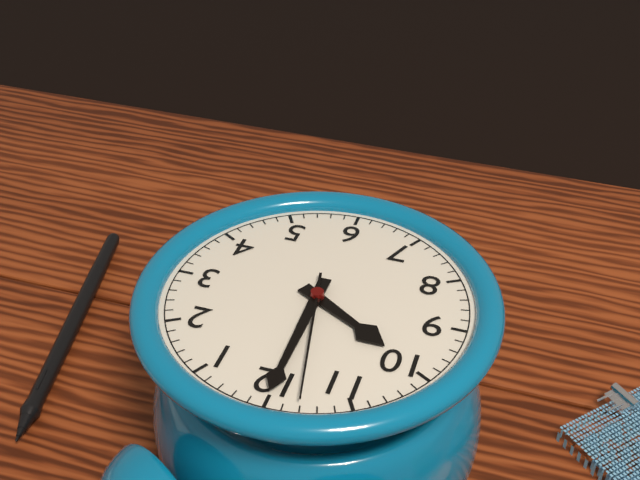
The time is 10h00m58s
